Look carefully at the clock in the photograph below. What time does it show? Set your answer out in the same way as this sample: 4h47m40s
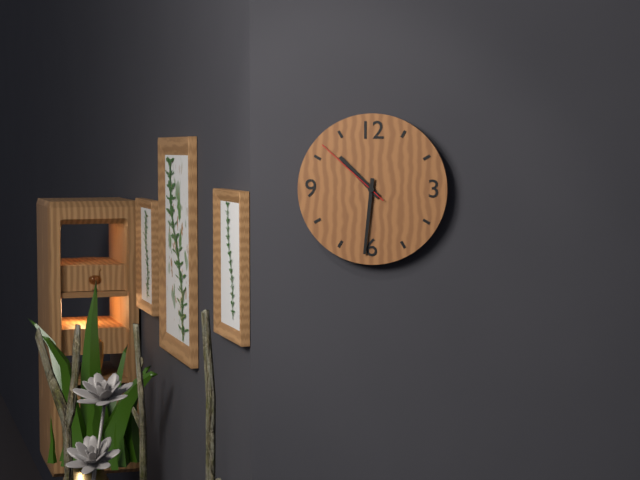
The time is 10h31m52s
